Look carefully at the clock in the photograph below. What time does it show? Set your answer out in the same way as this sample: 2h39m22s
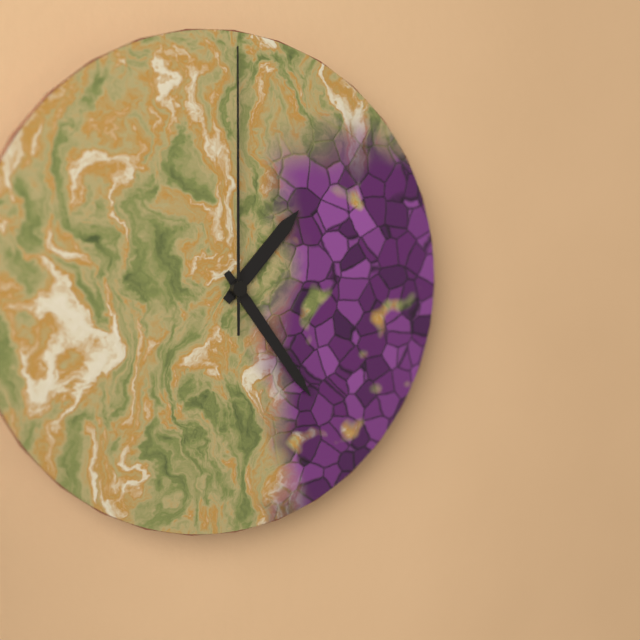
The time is 1h24m00s
